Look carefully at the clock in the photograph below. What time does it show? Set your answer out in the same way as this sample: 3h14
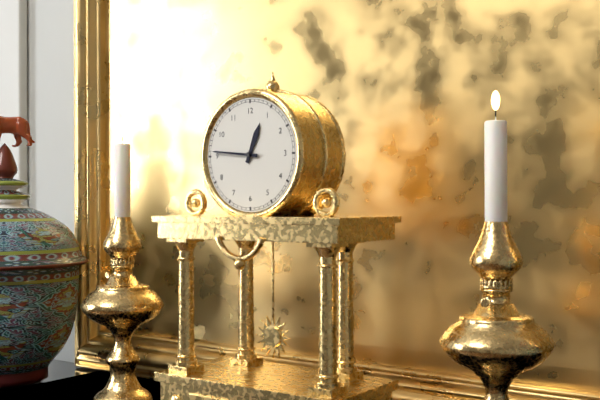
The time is 12h46
